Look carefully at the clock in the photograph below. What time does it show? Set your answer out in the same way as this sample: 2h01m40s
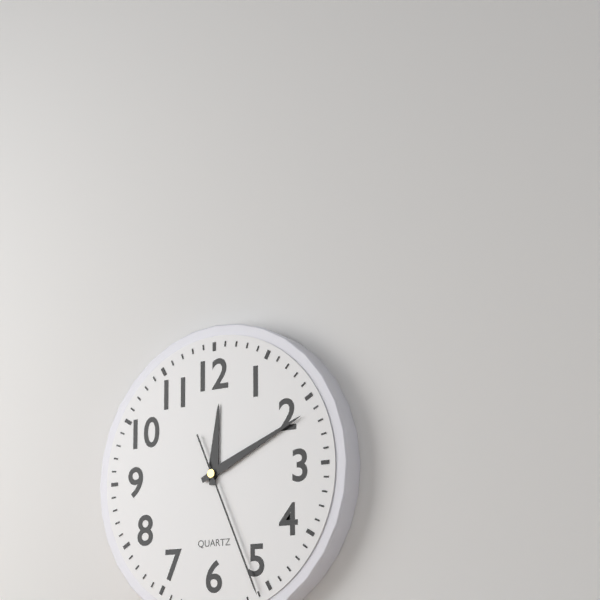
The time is 12h11m26s
